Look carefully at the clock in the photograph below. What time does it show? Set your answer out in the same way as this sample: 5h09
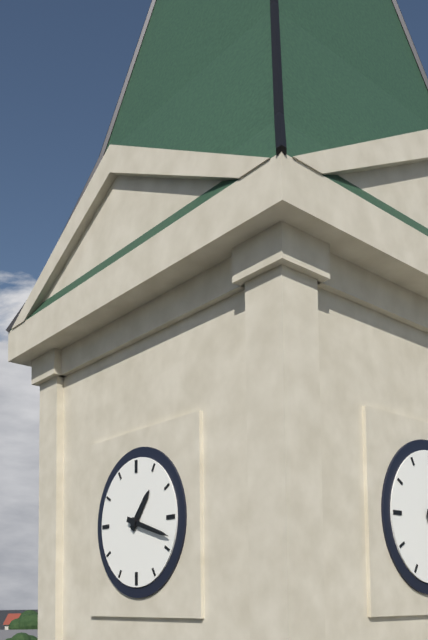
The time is 1h18
